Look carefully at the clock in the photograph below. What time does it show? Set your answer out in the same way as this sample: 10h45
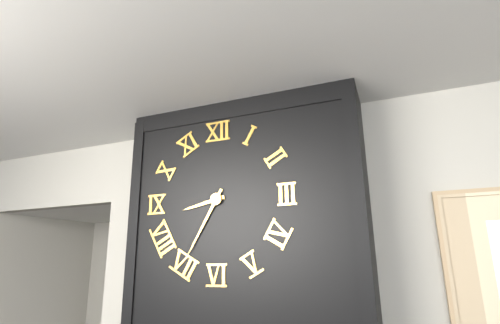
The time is 8h35
